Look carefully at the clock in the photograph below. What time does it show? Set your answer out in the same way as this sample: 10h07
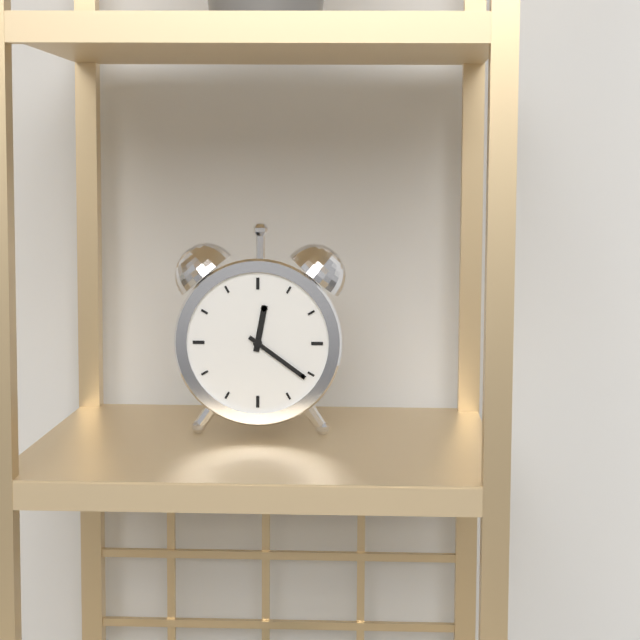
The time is 12h21
